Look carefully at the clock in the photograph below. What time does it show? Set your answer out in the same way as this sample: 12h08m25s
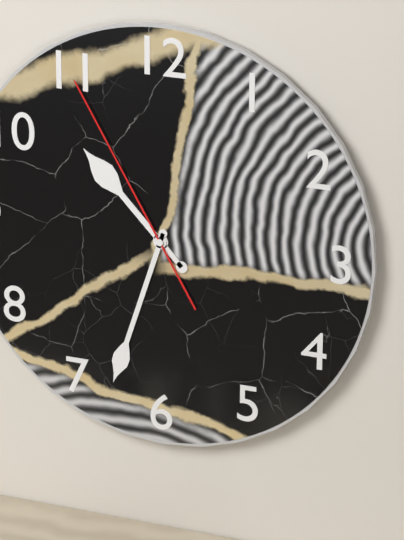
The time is 10h33m55s
